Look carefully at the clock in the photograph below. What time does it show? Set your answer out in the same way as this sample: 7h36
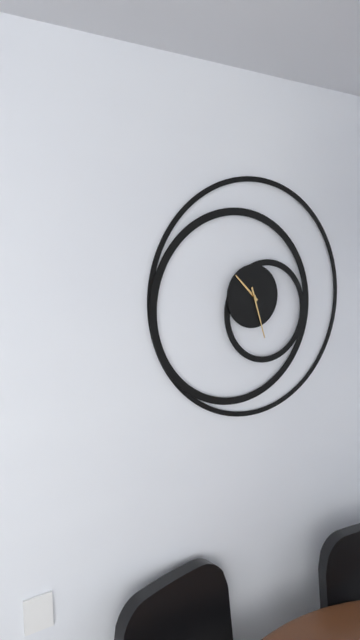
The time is 10h27
